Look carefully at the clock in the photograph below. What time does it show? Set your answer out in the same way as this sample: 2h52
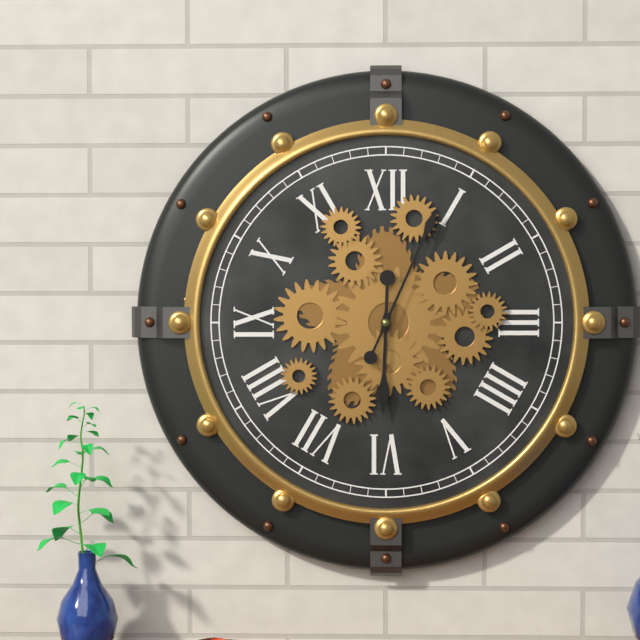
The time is 6h04
